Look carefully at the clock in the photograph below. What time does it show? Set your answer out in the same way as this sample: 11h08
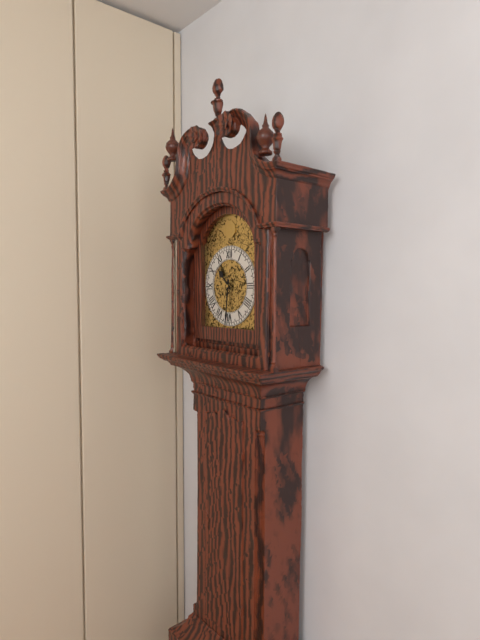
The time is 10h31
